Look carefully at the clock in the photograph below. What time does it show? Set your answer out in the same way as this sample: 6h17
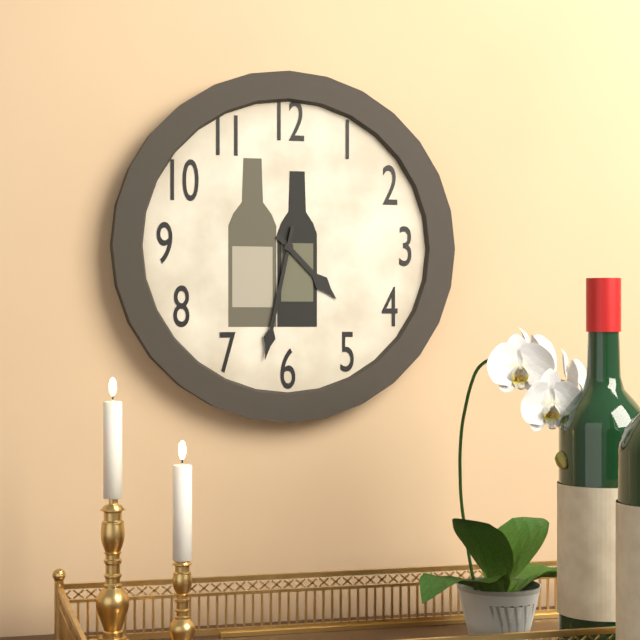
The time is 4h32
